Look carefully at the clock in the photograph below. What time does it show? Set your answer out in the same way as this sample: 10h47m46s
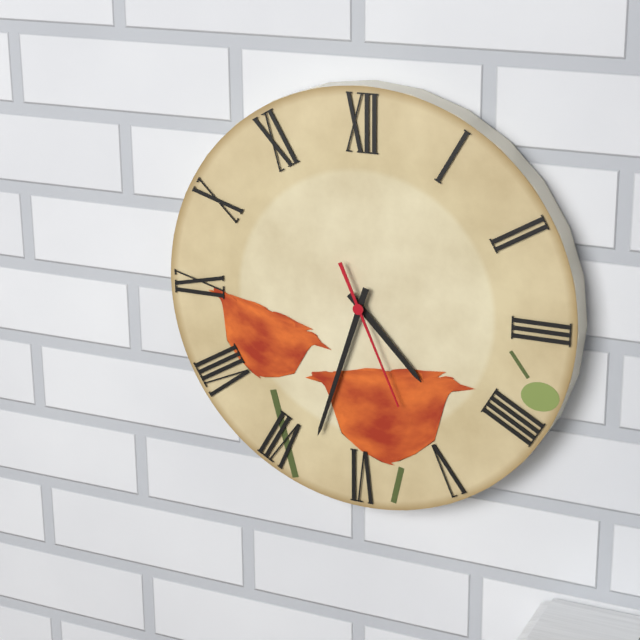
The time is 4h33m26s
